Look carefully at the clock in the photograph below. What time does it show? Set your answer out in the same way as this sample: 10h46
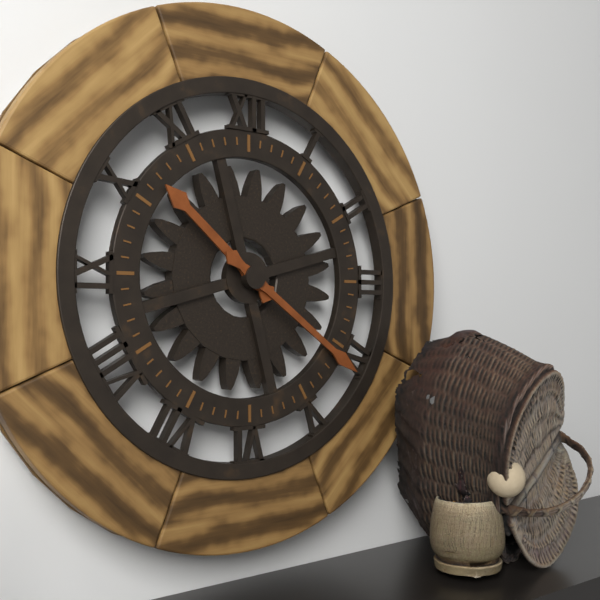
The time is 10h21
